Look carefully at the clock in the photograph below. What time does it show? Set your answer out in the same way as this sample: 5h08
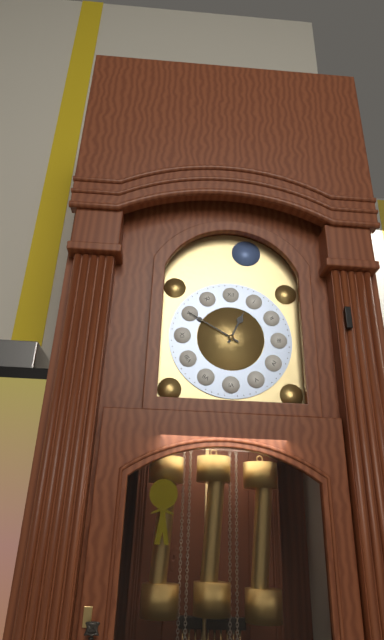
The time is 12h50
